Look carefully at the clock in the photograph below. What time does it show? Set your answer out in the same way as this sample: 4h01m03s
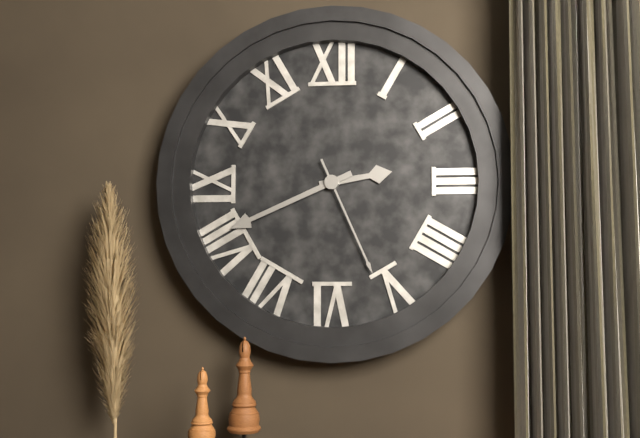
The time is 2h41m26s
